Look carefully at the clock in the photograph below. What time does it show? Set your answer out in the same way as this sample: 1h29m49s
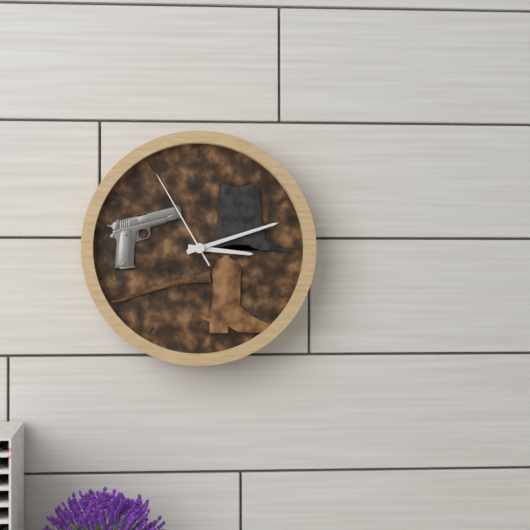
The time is 3h12m55s
